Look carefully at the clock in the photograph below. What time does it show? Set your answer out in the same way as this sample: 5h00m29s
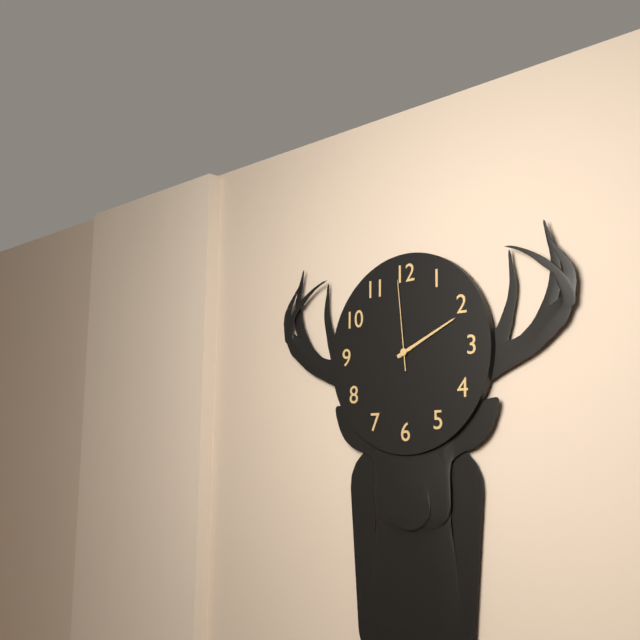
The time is 2h11m59s
